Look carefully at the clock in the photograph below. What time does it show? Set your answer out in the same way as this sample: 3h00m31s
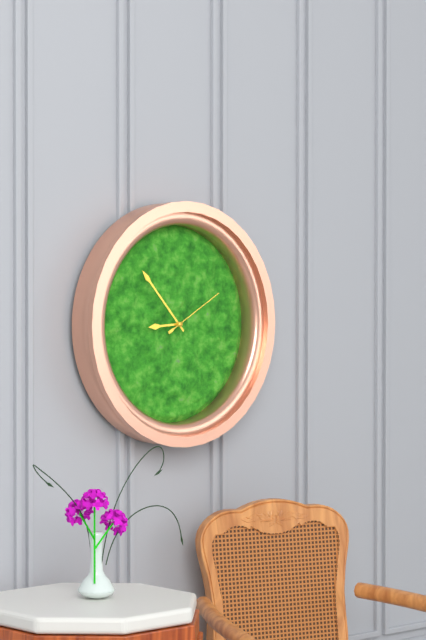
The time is 8h53m10s
